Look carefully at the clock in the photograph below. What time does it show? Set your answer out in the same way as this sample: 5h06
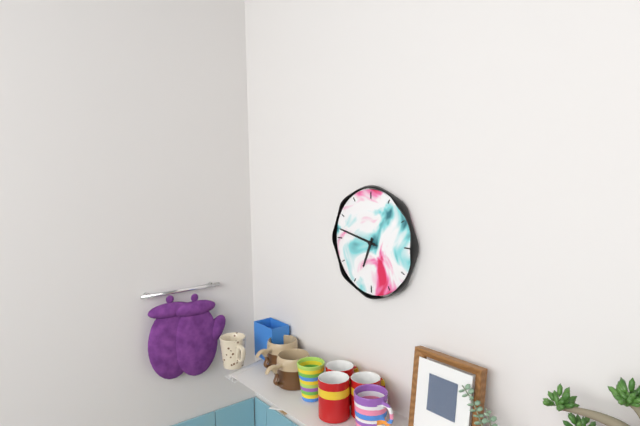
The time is 6h47
